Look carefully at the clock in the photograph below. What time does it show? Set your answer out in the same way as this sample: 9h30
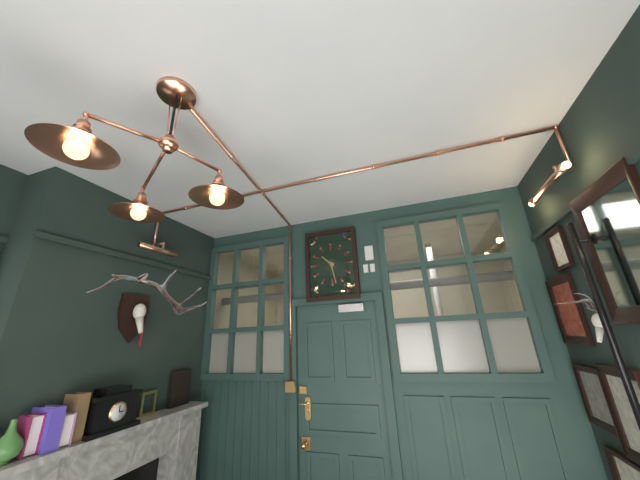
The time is 10h28
